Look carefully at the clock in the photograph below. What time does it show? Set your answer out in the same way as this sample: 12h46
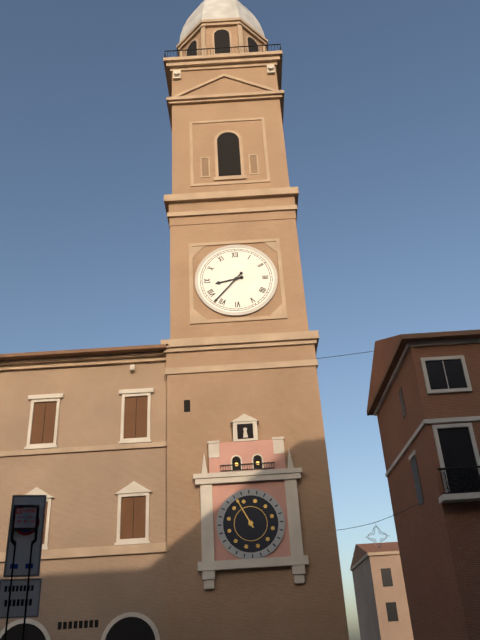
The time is 8h37
